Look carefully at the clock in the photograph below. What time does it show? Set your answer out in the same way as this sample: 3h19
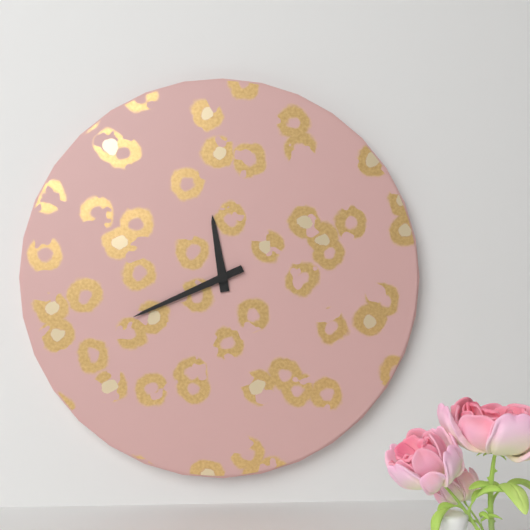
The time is 11h41
